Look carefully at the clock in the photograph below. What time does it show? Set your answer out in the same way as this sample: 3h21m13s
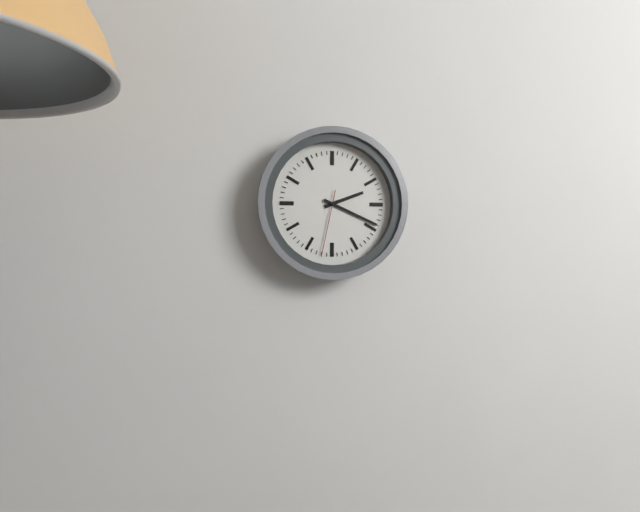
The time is 2h19m32s
